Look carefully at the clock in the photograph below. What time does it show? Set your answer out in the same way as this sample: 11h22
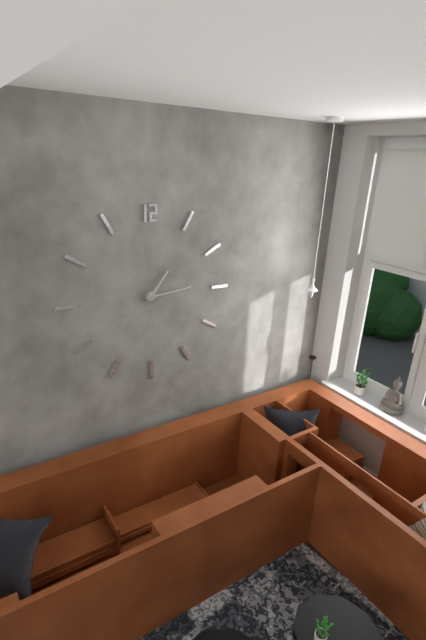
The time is 1h14
